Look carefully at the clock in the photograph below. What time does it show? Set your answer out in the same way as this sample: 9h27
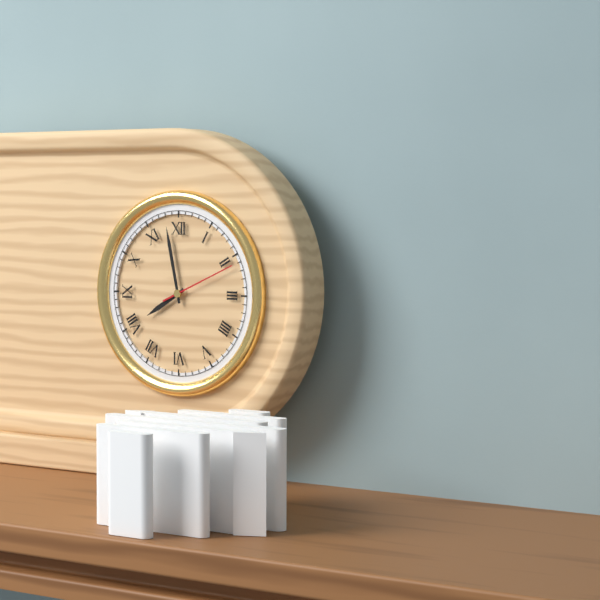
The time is 7h58
